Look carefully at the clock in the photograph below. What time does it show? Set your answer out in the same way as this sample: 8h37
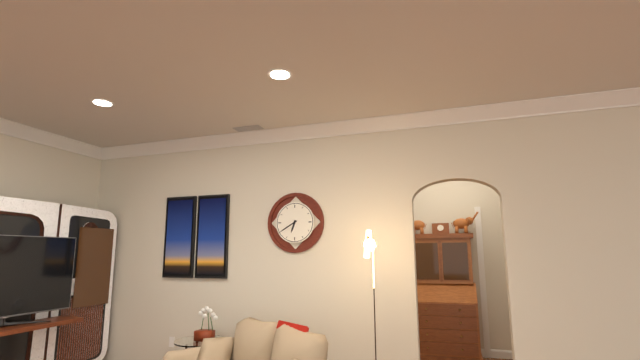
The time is 6h40
